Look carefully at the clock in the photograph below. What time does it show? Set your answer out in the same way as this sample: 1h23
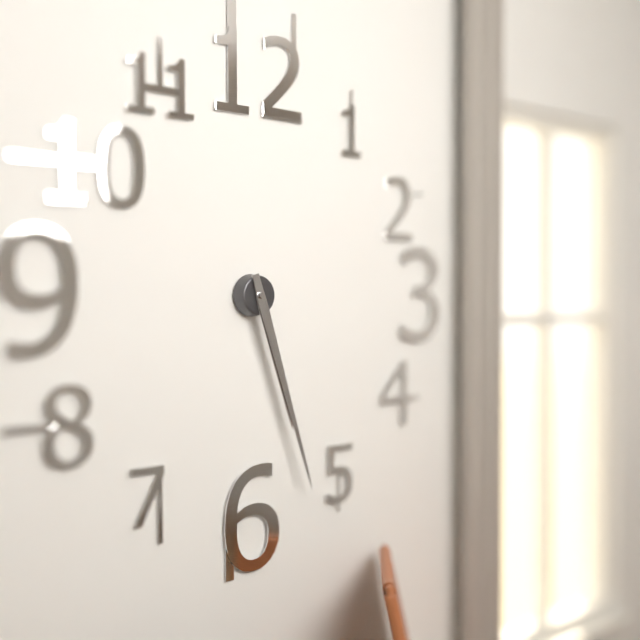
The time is 5h27
